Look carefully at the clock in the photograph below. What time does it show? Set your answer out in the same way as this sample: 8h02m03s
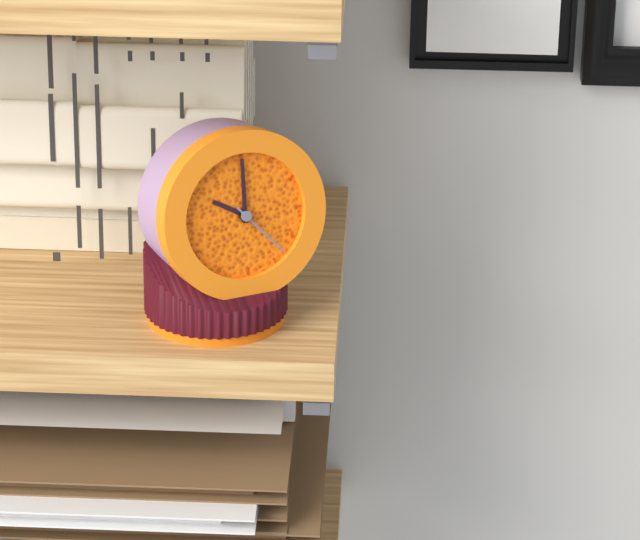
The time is 10h00m23s
